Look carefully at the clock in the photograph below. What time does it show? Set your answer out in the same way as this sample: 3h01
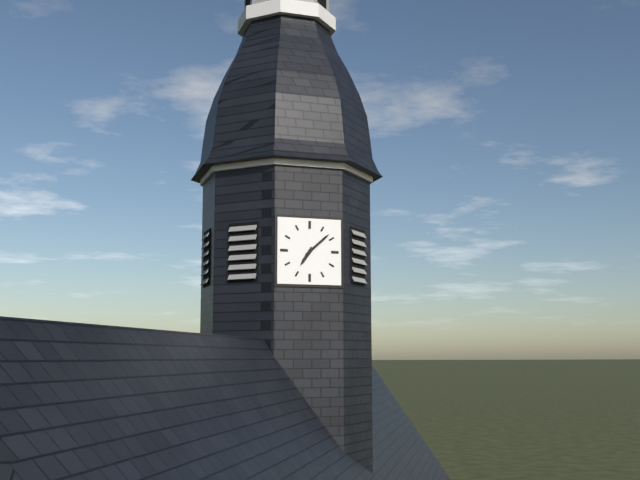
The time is 7h08
